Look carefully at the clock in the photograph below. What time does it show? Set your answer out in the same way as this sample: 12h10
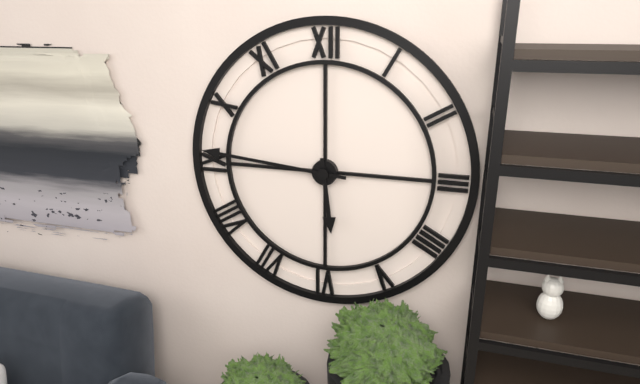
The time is 5h46
